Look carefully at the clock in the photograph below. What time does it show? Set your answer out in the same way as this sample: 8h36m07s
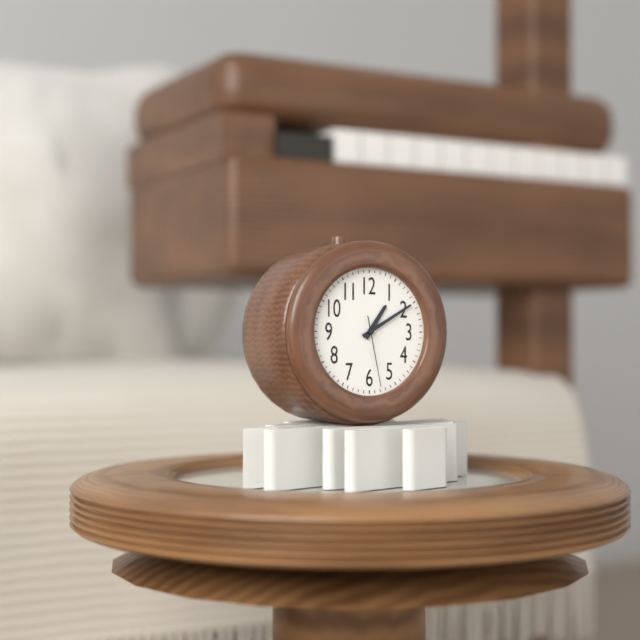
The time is 1h10m28s
